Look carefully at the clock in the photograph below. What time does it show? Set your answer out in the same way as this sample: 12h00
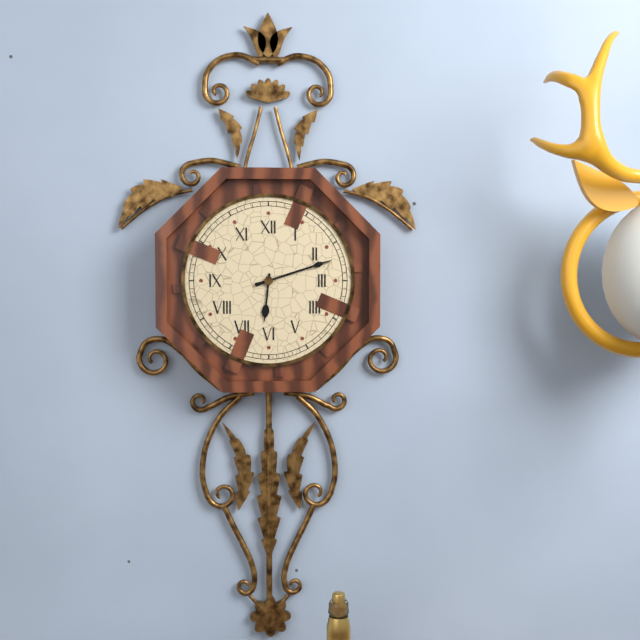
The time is 6h12
